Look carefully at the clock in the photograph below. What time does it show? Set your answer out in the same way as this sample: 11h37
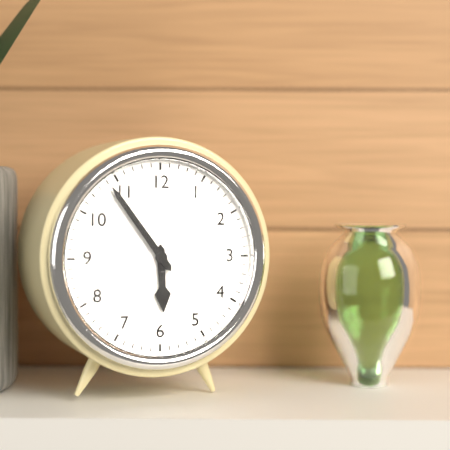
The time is 5h54
